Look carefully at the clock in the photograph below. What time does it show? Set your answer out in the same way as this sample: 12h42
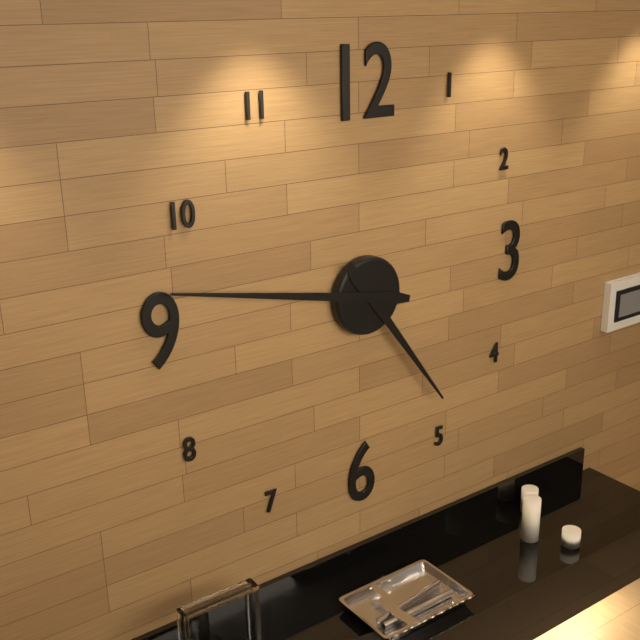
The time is 4h47
